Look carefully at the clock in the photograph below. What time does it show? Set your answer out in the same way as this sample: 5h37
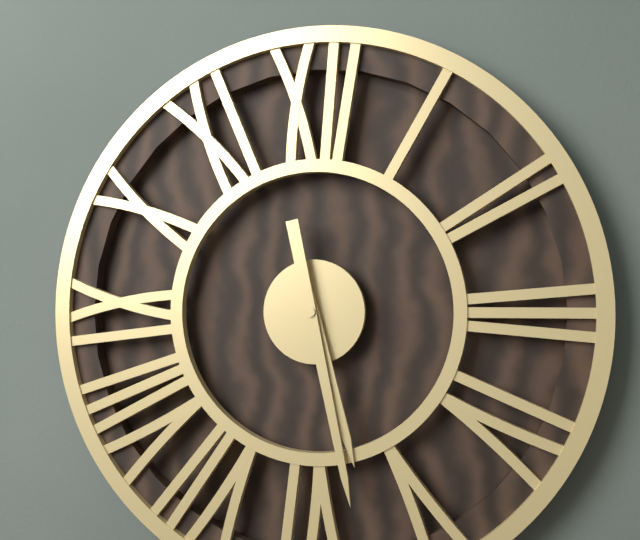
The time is 5h28
